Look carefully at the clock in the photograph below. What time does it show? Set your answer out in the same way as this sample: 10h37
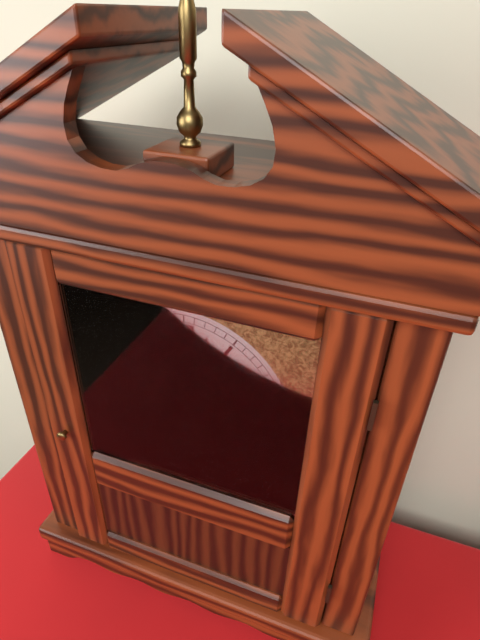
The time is 2h59
